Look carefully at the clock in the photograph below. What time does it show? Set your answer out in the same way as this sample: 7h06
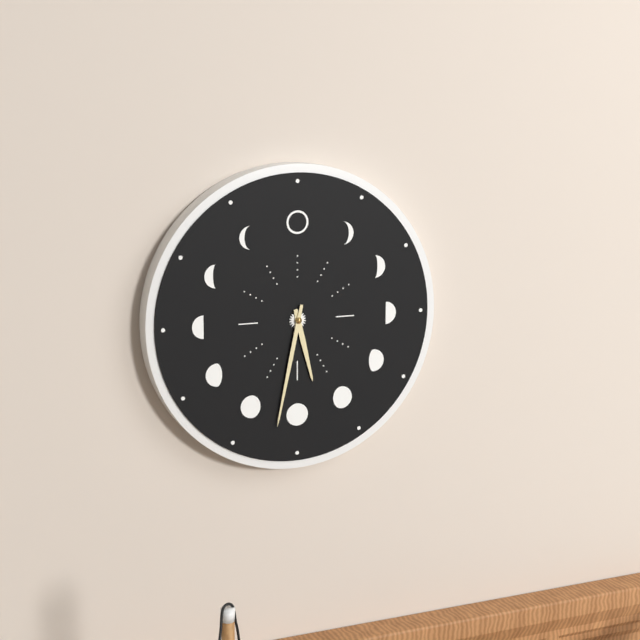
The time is 5h32
